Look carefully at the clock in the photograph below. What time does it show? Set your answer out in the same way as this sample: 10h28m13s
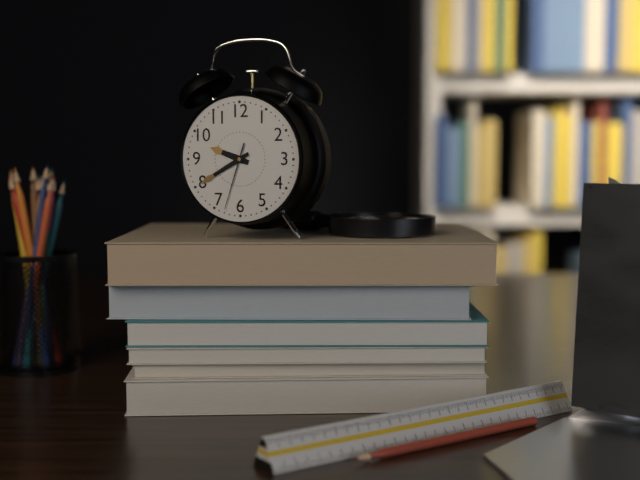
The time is 9h40m33s
